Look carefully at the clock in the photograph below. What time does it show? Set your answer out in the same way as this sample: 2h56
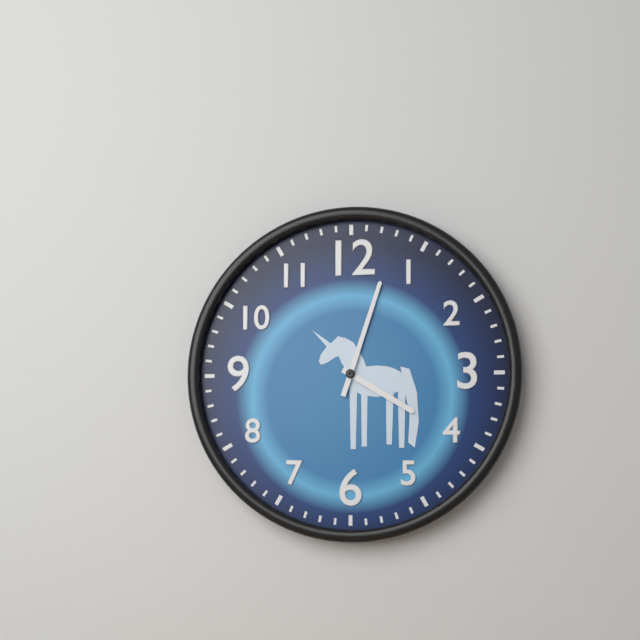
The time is 4h03
